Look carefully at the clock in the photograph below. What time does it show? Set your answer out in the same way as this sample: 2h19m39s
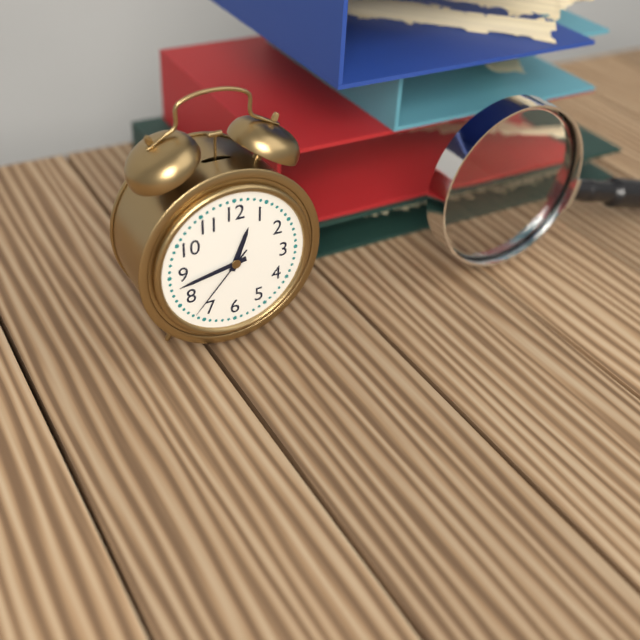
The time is 12h43m37s
